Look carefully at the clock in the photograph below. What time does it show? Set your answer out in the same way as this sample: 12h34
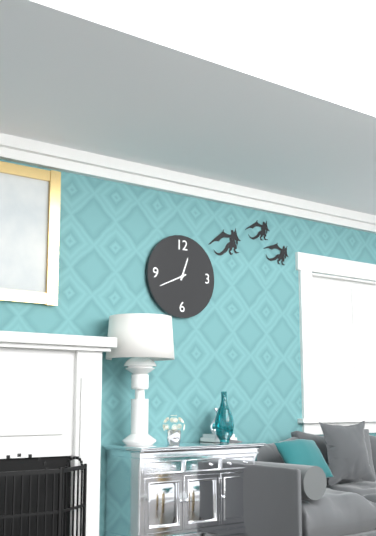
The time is 12h41
